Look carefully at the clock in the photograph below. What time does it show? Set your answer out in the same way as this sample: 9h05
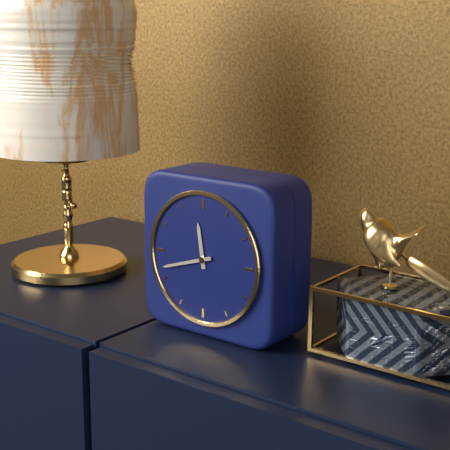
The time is 11h42
